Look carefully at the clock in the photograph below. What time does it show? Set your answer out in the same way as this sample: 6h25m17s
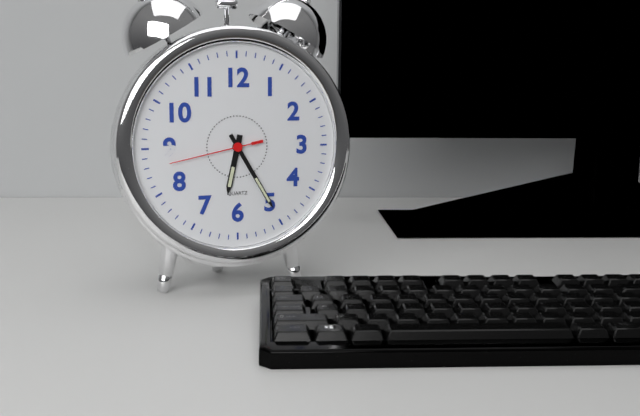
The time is 6h25m43s
